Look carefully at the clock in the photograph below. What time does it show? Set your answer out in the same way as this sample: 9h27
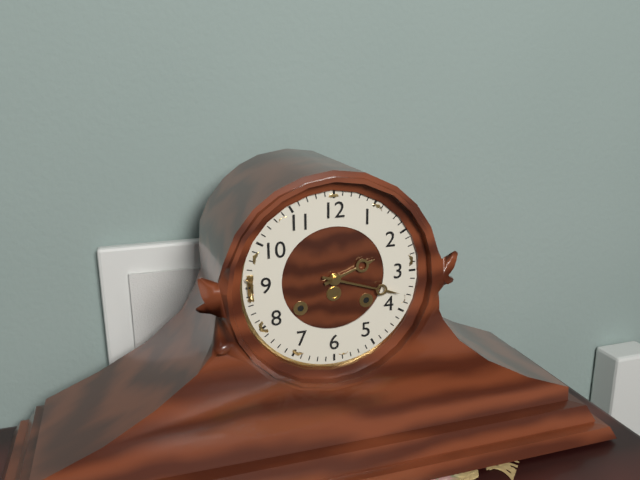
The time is 2h18
